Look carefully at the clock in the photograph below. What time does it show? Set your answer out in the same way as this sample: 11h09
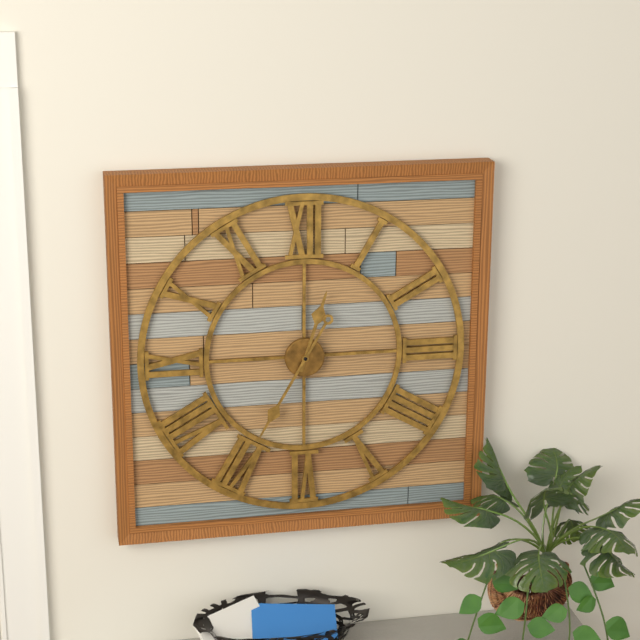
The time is 12h35
